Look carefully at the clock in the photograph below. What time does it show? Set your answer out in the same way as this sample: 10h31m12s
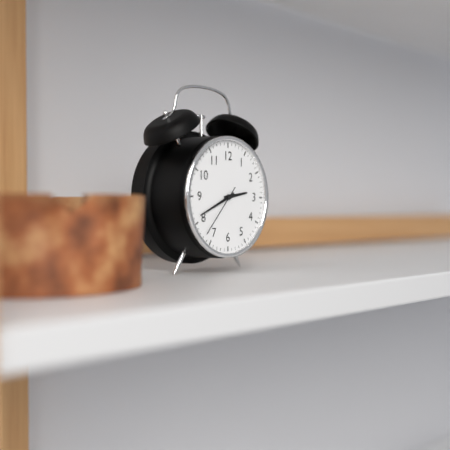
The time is 2h41m37s
